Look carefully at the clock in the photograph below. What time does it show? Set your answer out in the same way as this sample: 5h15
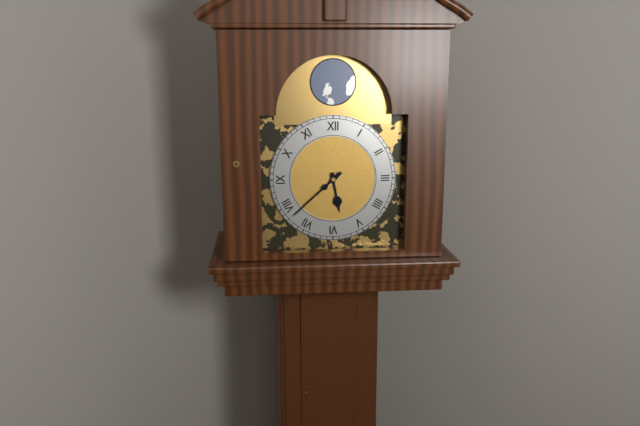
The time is 5h38
